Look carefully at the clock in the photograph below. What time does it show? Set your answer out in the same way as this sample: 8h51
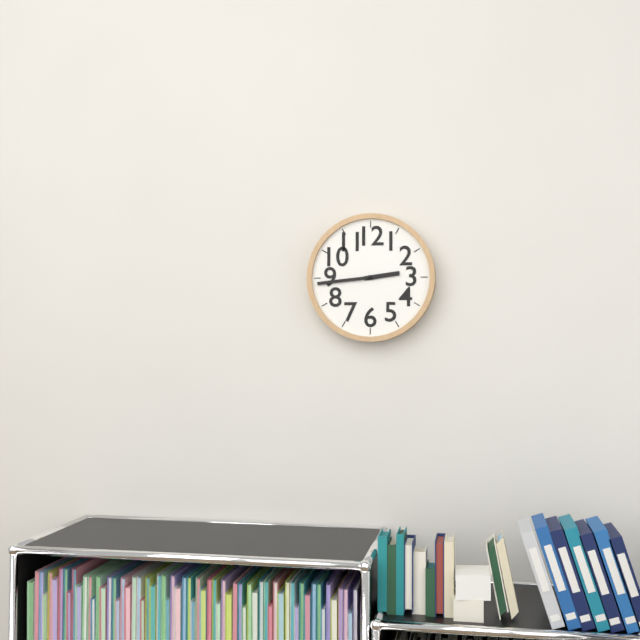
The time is 2h44
